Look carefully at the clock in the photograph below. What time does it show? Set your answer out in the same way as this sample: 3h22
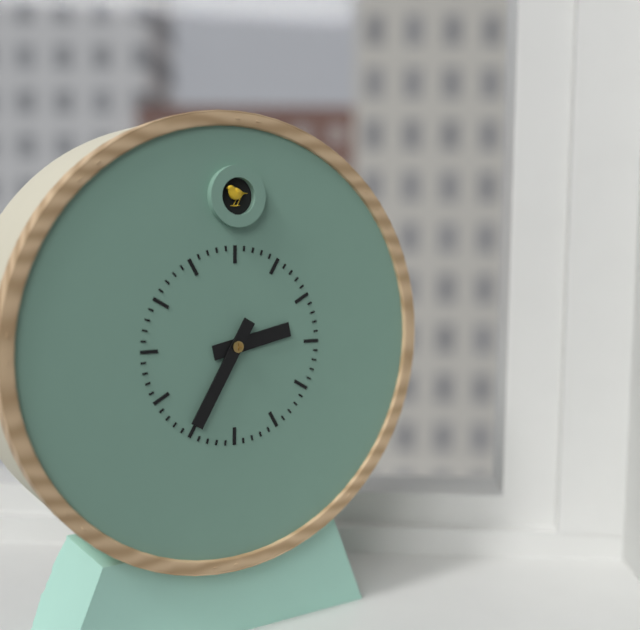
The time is 2h35
